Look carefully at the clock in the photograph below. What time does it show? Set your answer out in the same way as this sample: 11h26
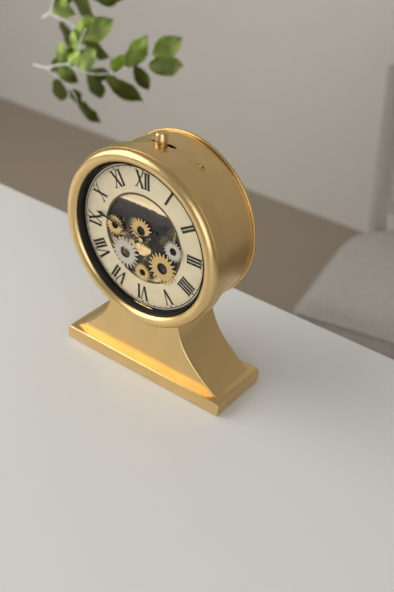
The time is 1h47
